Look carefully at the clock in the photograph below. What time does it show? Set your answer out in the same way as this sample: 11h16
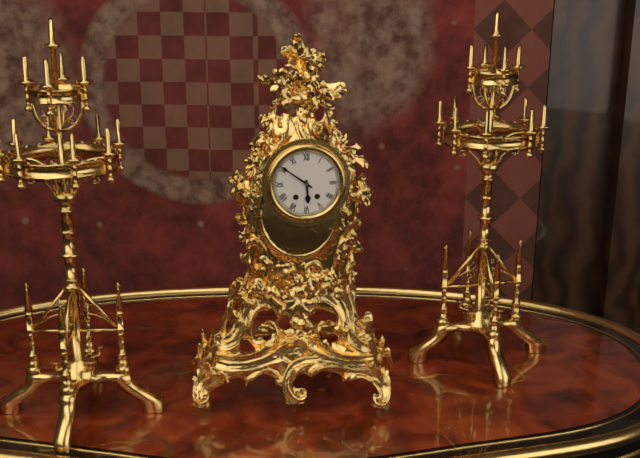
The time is 5h51
